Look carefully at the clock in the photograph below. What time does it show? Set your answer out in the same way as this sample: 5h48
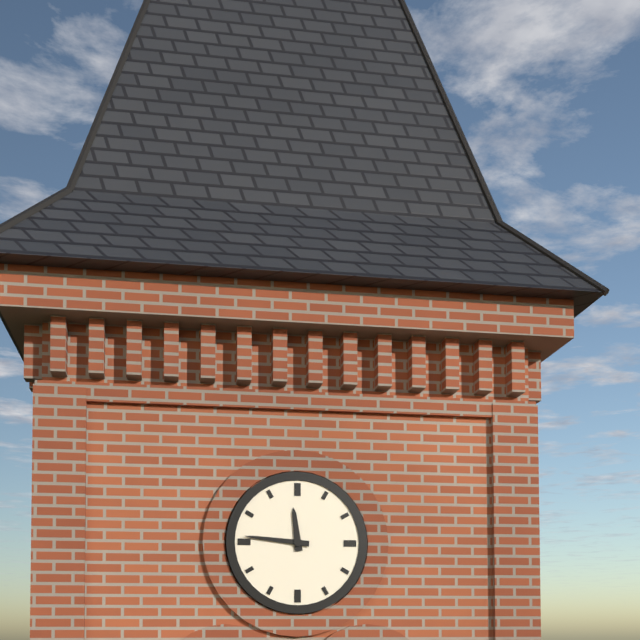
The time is 11h46
